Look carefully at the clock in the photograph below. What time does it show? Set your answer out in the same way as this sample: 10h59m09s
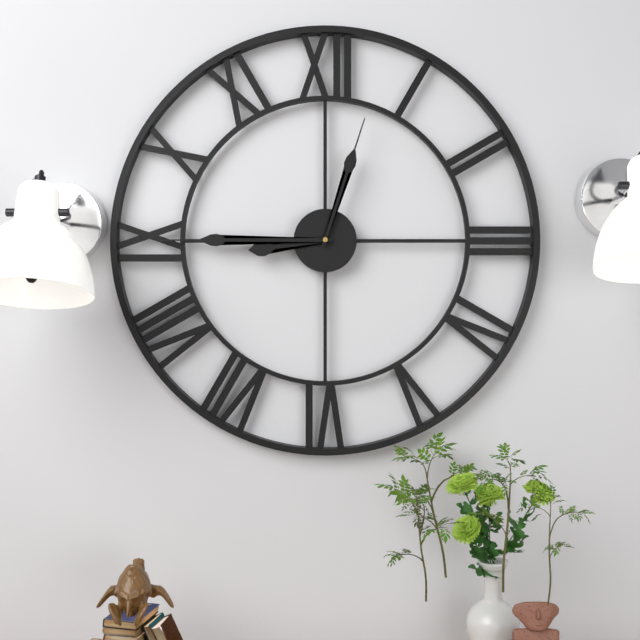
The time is 8h45m03s
